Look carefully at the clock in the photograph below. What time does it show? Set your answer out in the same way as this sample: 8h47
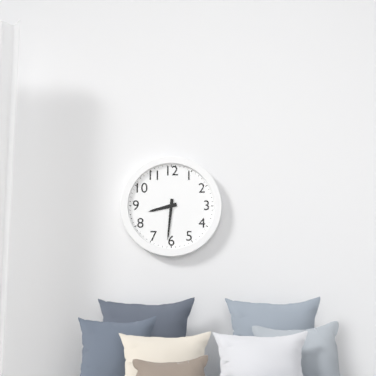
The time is 8h31
